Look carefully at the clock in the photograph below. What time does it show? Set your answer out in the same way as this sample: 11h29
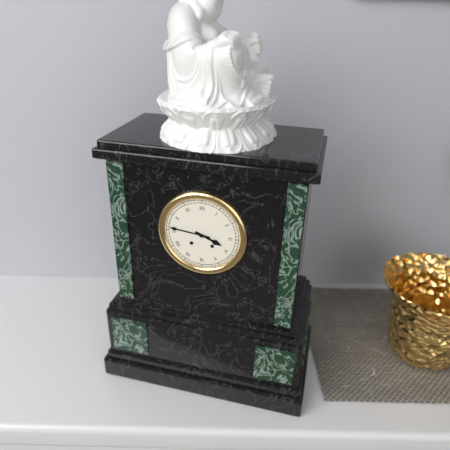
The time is 3h46
